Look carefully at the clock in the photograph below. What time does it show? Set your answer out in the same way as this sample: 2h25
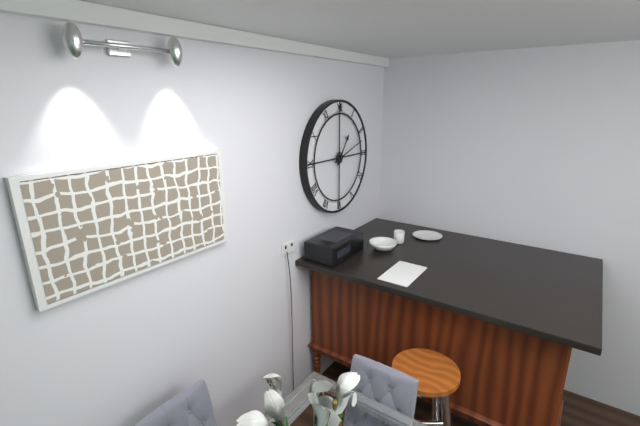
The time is 1h12
